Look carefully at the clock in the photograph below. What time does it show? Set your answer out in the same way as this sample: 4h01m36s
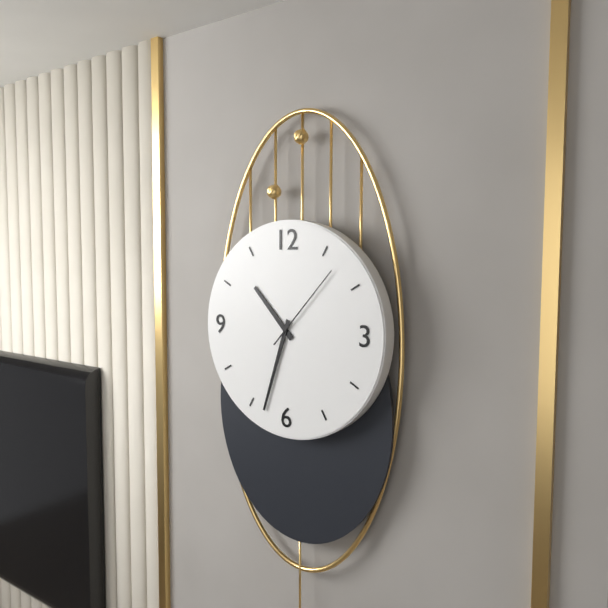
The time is 10h33m07s
